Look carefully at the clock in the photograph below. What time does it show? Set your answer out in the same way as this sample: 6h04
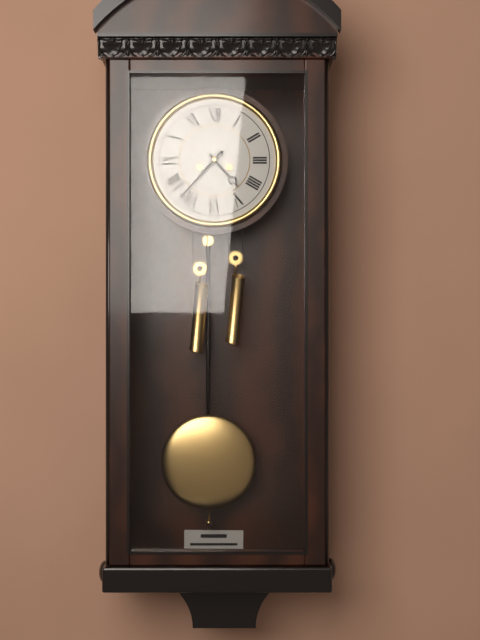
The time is 4h37
